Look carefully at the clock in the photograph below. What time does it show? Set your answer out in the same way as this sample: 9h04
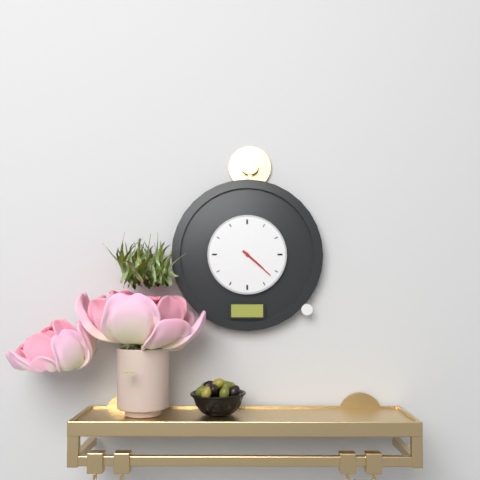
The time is 4h22
